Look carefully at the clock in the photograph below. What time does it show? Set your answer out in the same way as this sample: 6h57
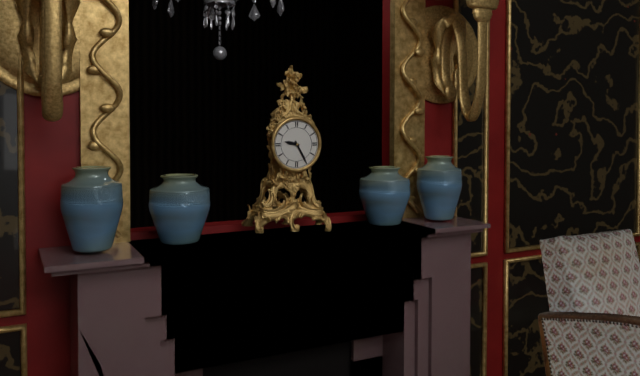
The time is 9h25
